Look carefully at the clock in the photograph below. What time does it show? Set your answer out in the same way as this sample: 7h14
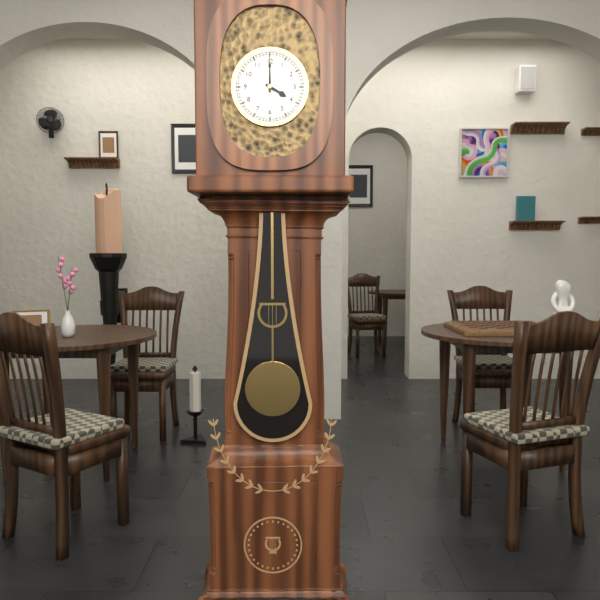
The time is 4h00
